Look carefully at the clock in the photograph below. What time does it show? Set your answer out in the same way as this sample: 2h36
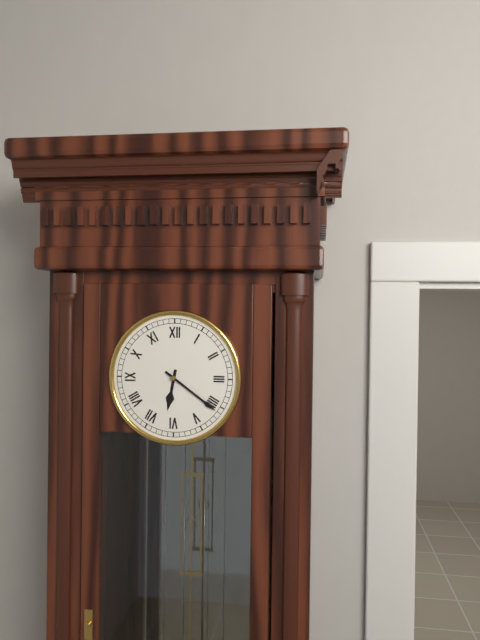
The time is 6h21
